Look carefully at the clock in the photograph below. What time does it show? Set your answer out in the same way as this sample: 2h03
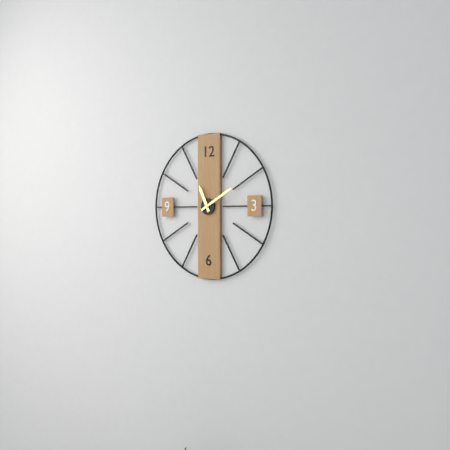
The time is 11h10
